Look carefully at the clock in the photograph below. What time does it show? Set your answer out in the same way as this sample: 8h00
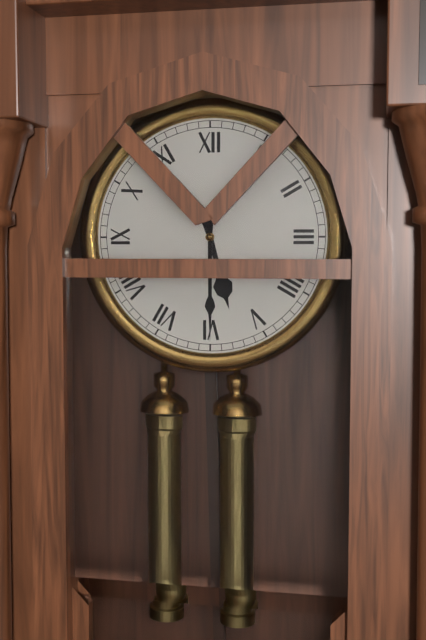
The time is 5h30
